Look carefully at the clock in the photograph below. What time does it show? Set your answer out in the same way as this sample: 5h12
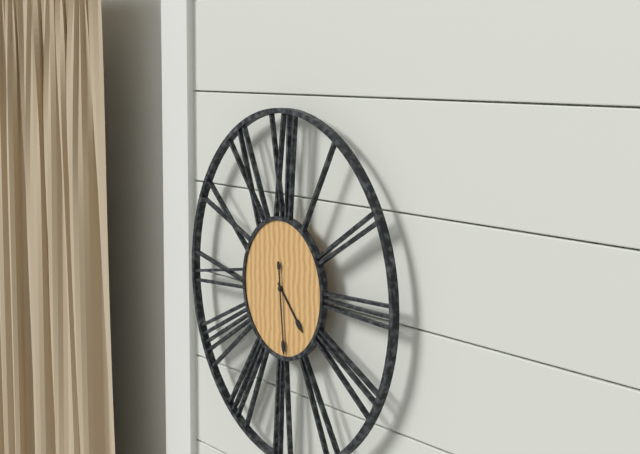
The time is 4h29
